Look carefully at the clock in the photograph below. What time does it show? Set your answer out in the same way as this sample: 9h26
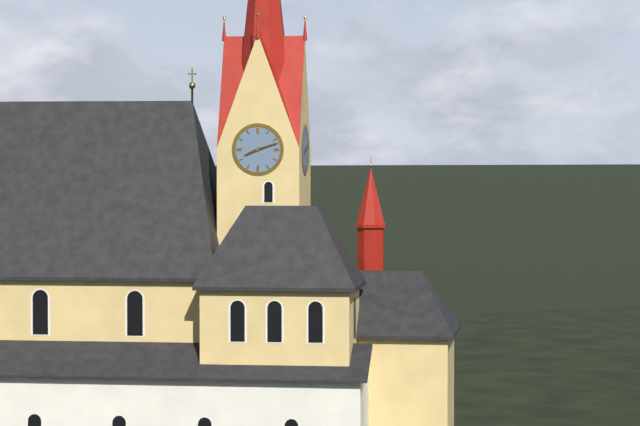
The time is 8h12
